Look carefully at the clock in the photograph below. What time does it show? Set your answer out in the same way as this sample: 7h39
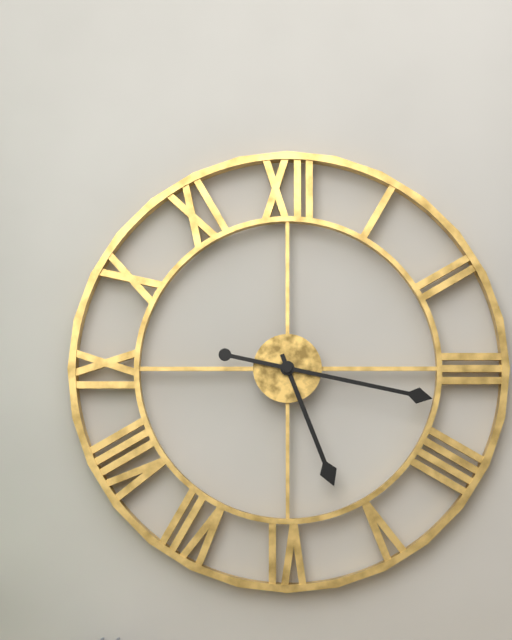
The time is 5h17
